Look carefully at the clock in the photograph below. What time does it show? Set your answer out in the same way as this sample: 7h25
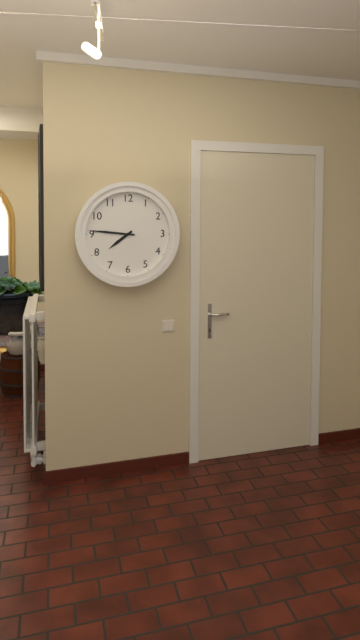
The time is 7h46
